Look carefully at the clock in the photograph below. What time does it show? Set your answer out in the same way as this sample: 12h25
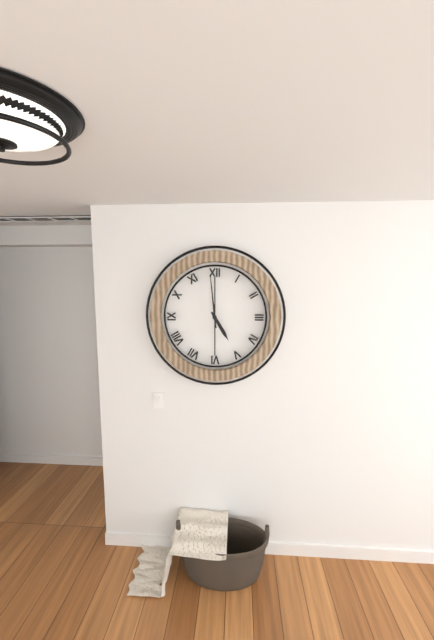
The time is 4h59
